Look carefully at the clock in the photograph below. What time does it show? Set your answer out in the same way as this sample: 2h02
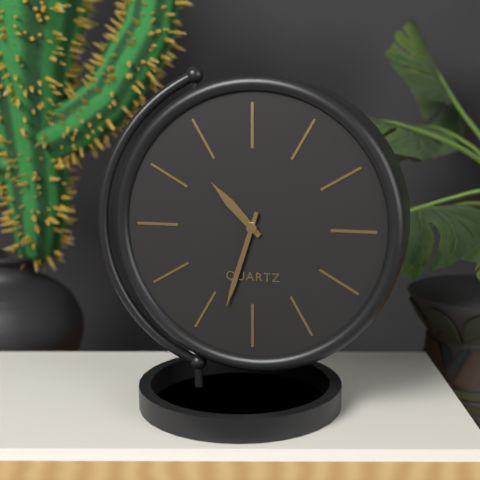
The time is 10h33
